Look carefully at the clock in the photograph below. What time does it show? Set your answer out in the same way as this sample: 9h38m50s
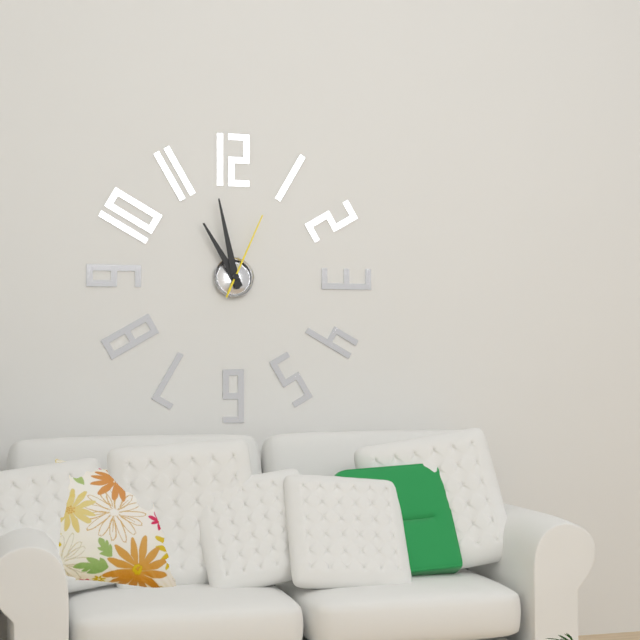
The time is 10h58m04s
